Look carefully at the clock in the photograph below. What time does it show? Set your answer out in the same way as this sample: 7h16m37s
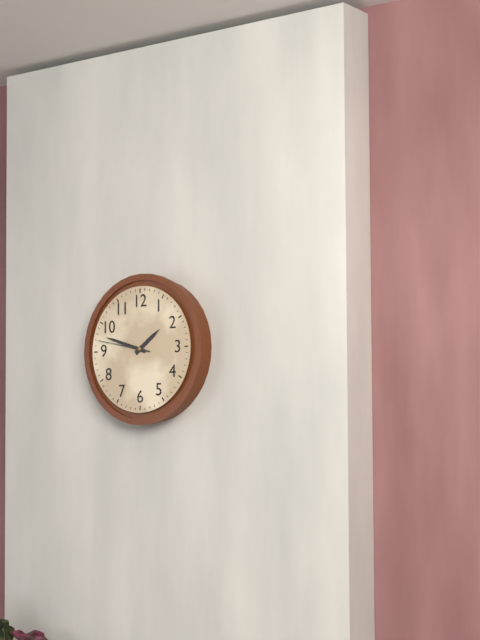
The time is 1h48m47s
